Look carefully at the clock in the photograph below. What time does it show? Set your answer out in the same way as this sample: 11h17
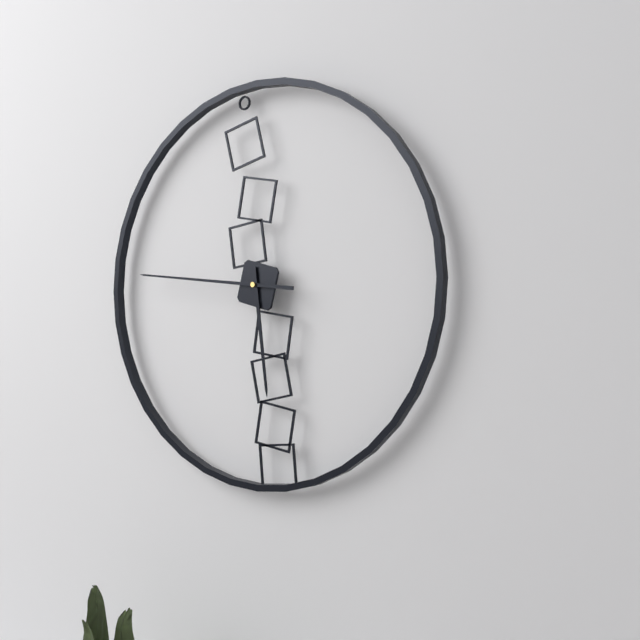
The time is 5h46
